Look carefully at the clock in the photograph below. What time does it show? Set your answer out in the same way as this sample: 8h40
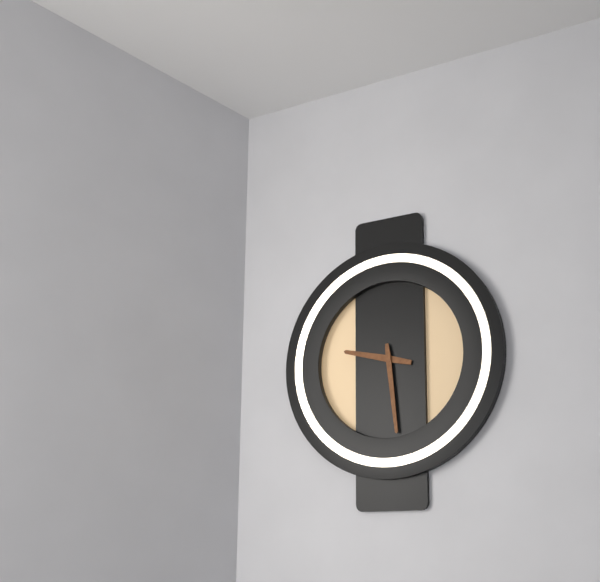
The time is 9h29
